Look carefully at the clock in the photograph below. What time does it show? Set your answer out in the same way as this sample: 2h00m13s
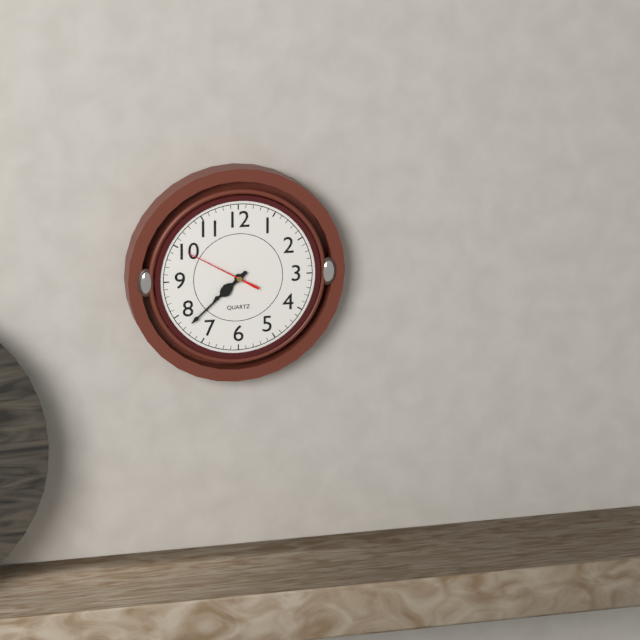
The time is 7h38m50s
